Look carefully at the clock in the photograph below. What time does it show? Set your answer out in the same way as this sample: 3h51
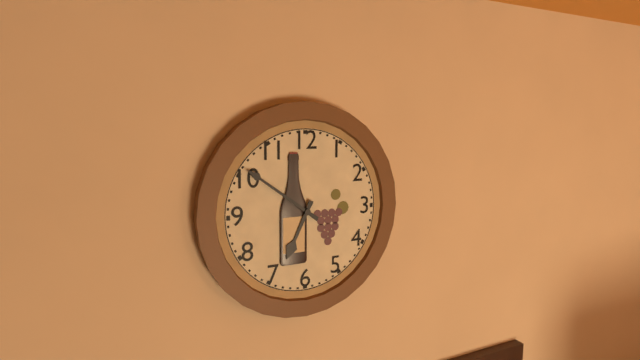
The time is 6h51
